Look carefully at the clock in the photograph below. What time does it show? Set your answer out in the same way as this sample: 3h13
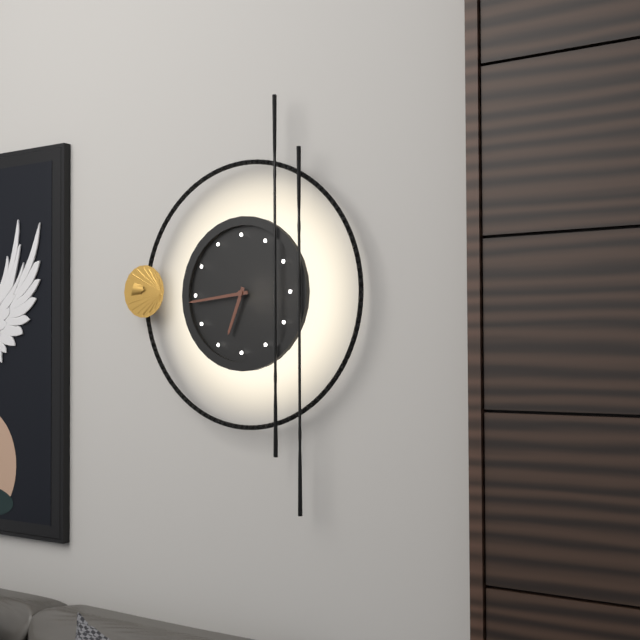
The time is 6h44
